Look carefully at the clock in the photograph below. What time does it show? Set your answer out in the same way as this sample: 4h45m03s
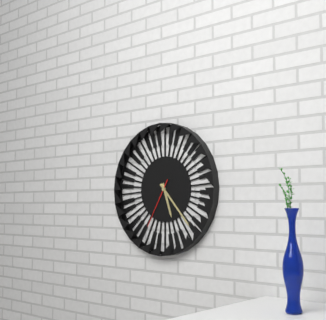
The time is 5h23m35s
